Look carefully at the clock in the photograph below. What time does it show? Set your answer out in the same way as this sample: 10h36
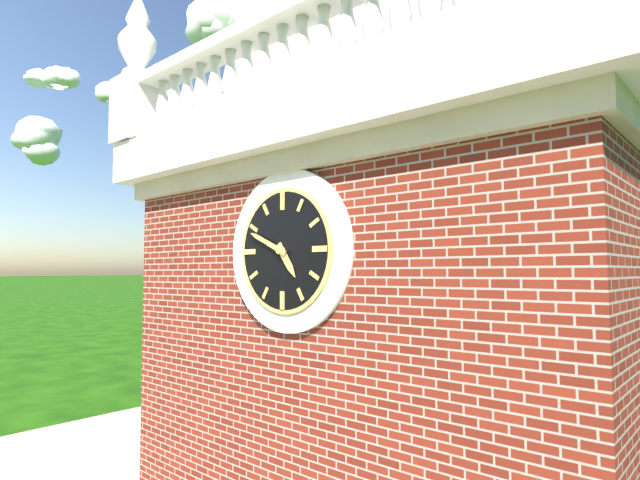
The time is 4h49
